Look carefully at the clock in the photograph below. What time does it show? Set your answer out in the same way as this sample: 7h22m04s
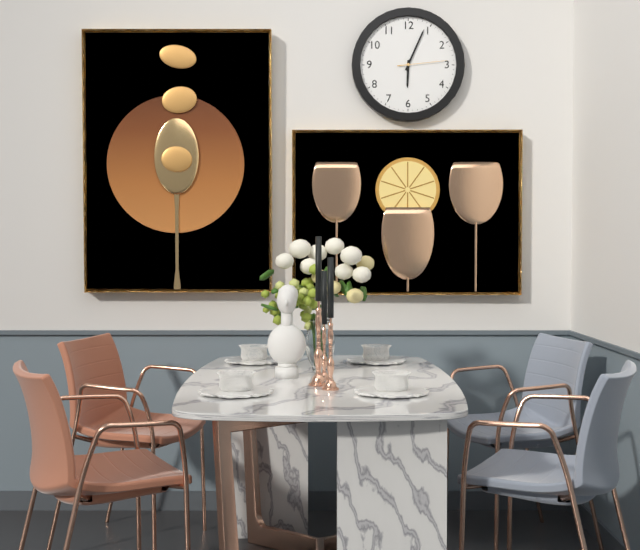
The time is 6h04m14s
